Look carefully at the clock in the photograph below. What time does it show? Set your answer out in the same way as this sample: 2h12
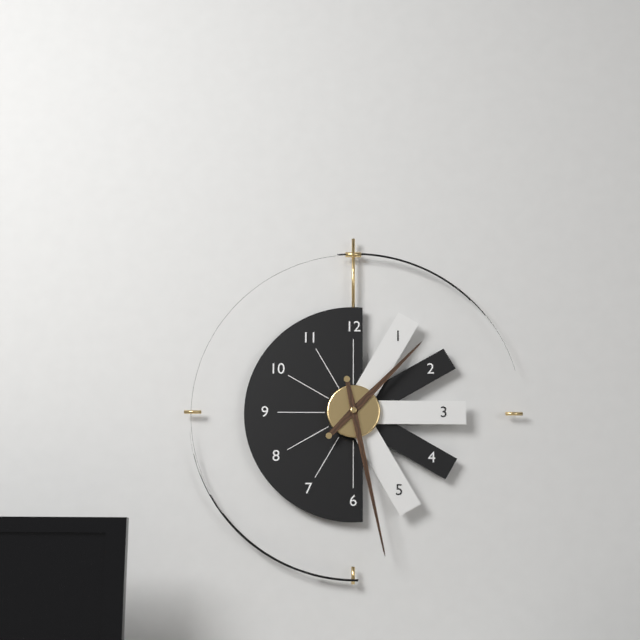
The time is 1h28
